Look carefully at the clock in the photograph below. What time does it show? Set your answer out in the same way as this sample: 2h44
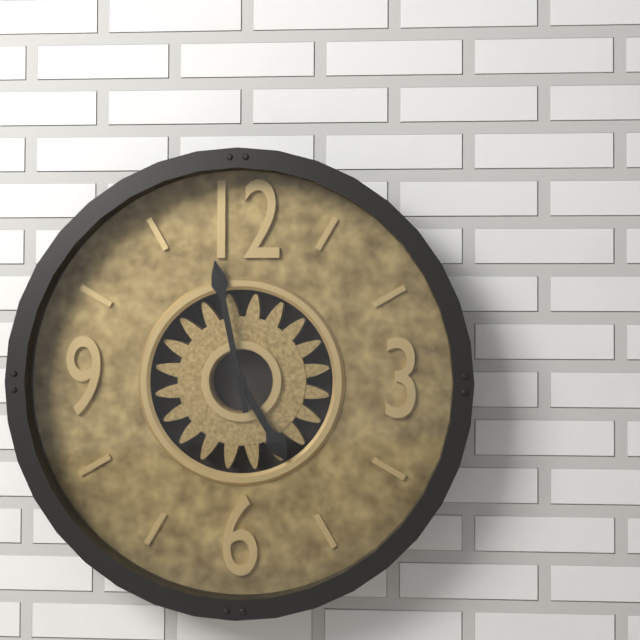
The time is 4h58
